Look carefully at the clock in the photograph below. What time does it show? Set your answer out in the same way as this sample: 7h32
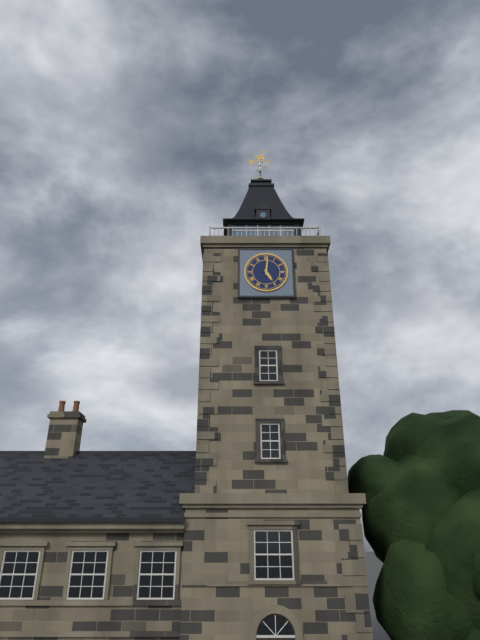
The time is 5h01
